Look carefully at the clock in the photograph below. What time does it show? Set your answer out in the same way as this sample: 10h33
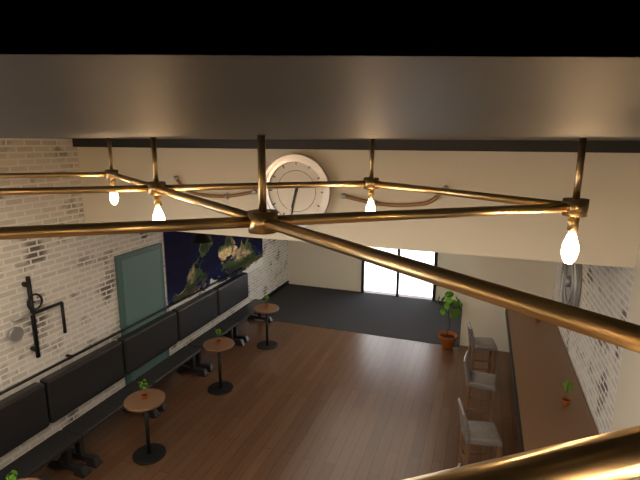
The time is 6h32
